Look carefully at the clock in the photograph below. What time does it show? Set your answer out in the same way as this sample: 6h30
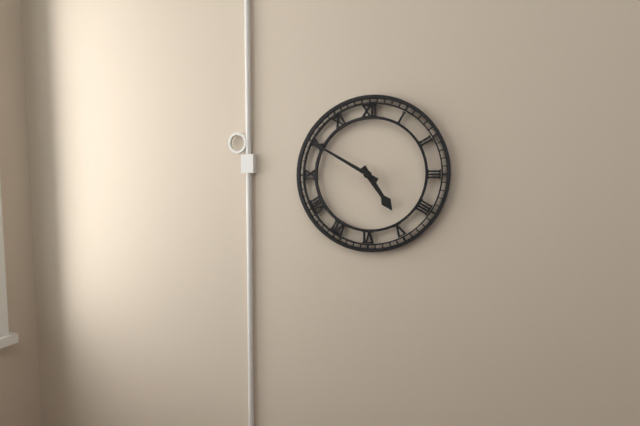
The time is 4h50
